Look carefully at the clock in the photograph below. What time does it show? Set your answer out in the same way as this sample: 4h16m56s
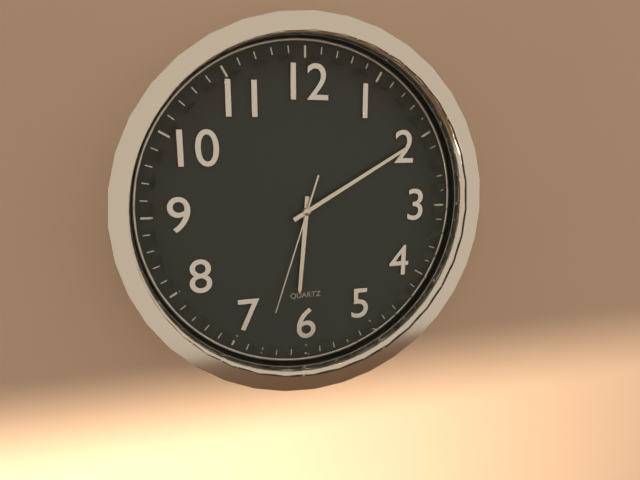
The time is 6h10m33s
